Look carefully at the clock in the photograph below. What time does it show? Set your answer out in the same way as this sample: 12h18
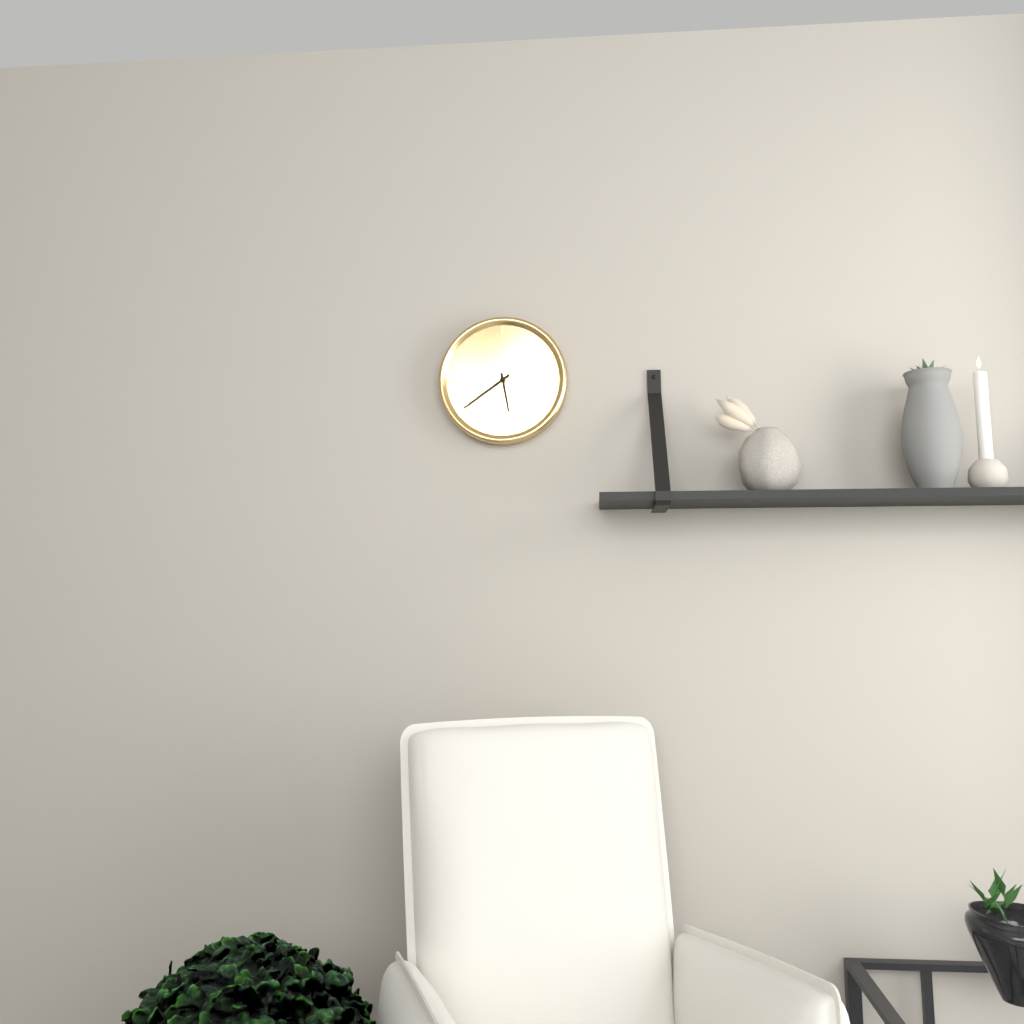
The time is 5h39
